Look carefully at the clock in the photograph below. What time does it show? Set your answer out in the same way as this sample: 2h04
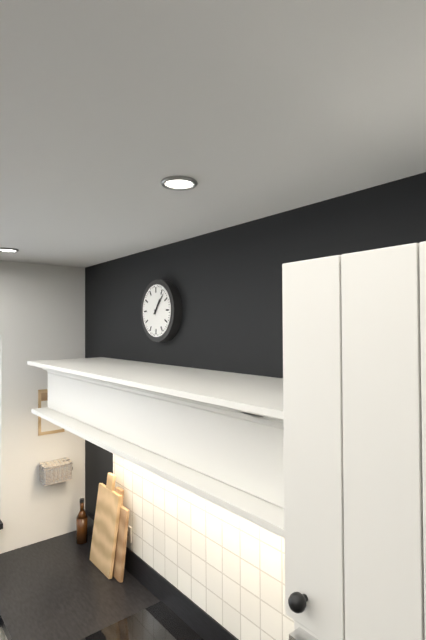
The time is 1h07
